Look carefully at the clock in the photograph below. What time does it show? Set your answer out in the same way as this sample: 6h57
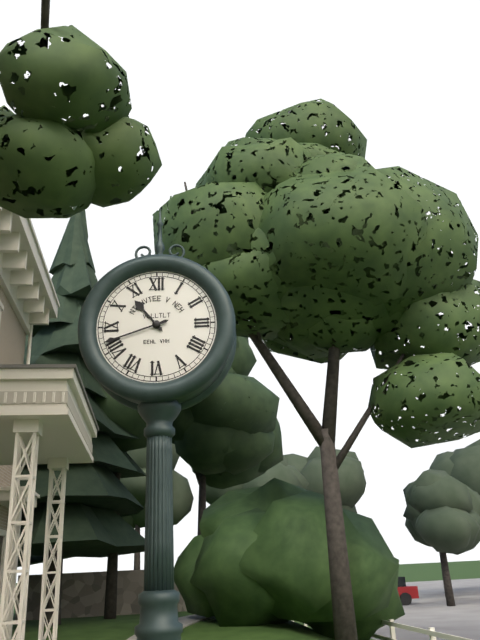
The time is 10h42
